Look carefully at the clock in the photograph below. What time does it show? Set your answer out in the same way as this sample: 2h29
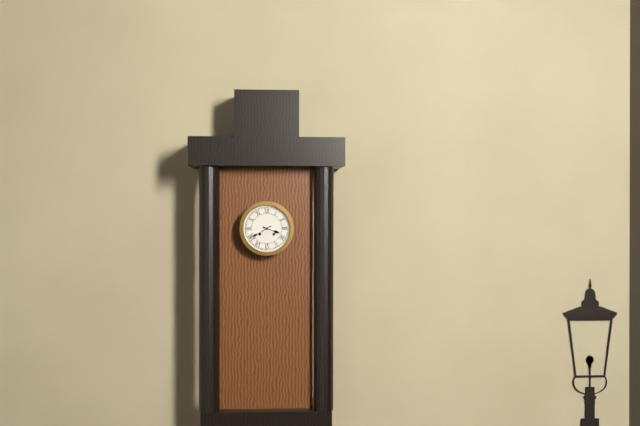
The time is 3h40
